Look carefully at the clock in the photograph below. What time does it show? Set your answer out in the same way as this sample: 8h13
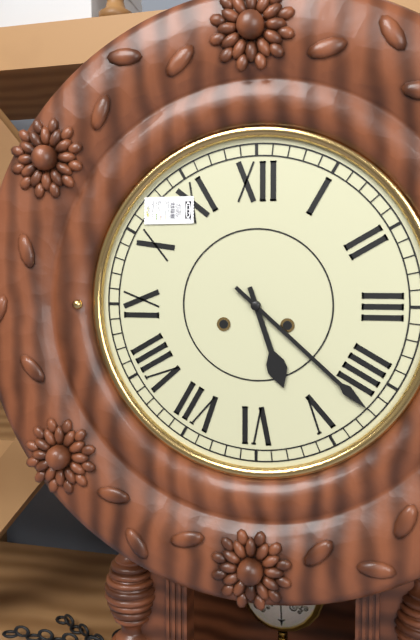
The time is 5h22
